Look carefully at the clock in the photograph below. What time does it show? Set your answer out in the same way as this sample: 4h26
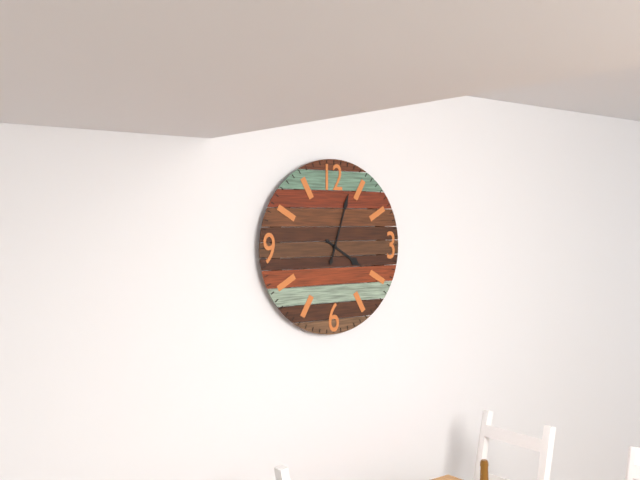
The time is 4h03
